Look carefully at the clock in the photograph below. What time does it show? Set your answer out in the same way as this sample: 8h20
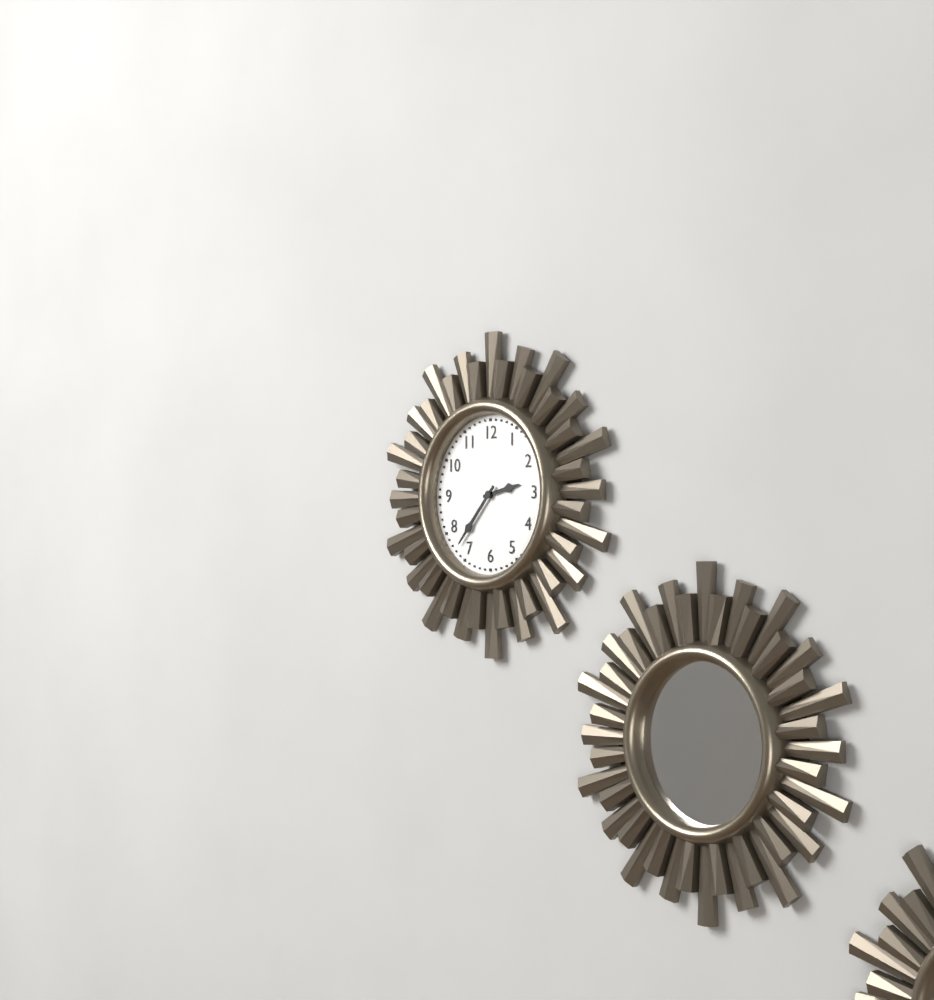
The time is 2h37
